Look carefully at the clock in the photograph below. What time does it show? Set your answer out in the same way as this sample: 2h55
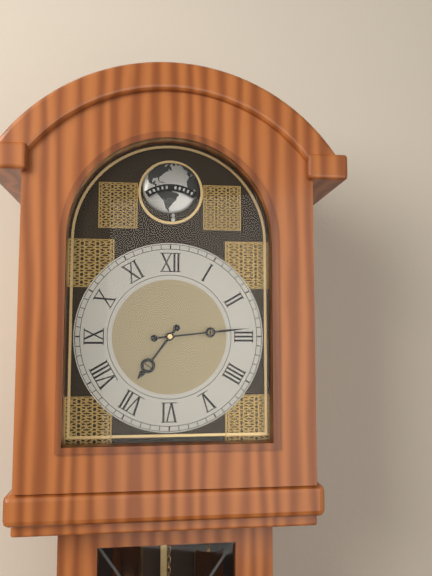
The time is 7h14
